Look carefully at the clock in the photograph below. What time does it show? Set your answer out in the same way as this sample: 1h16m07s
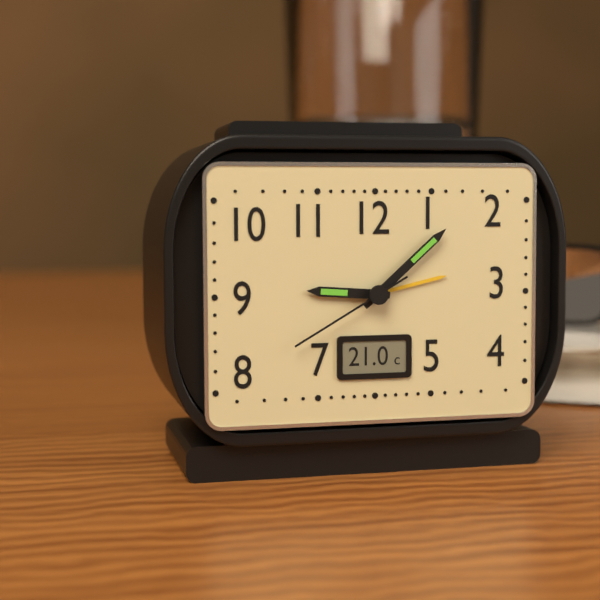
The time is 9h08m40s
